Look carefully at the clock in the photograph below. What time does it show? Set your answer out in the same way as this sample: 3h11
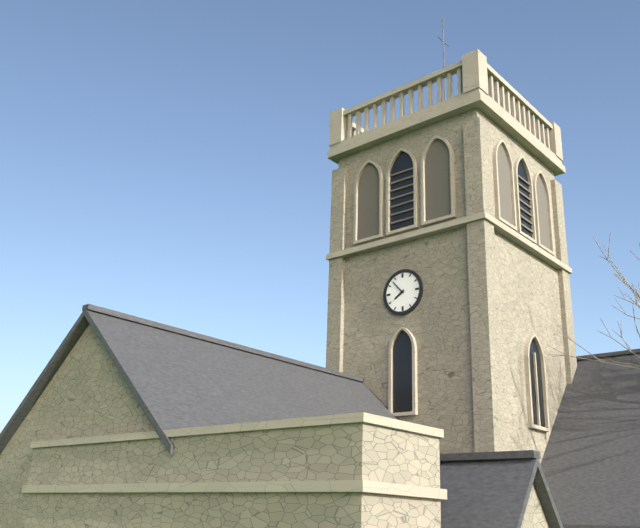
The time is 7h53
